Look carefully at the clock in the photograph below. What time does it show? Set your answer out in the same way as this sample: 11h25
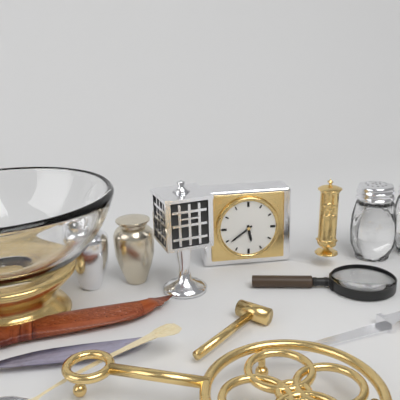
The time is 5h39
